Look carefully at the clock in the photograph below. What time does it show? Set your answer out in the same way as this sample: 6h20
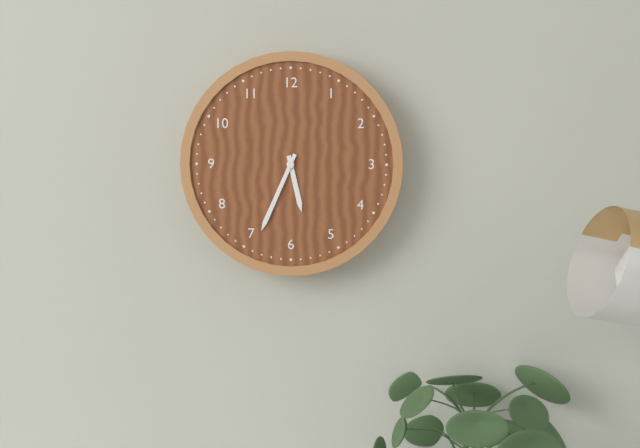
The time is 5h34
